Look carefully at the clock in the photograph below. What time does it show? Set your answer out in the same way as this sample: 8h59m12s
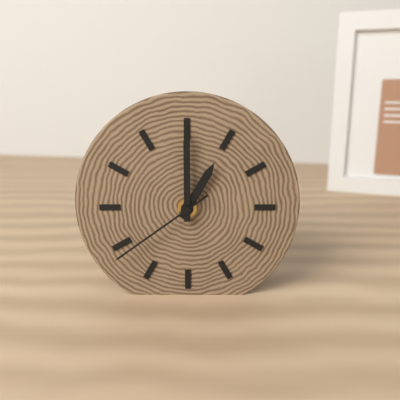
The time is 1h00m39s
